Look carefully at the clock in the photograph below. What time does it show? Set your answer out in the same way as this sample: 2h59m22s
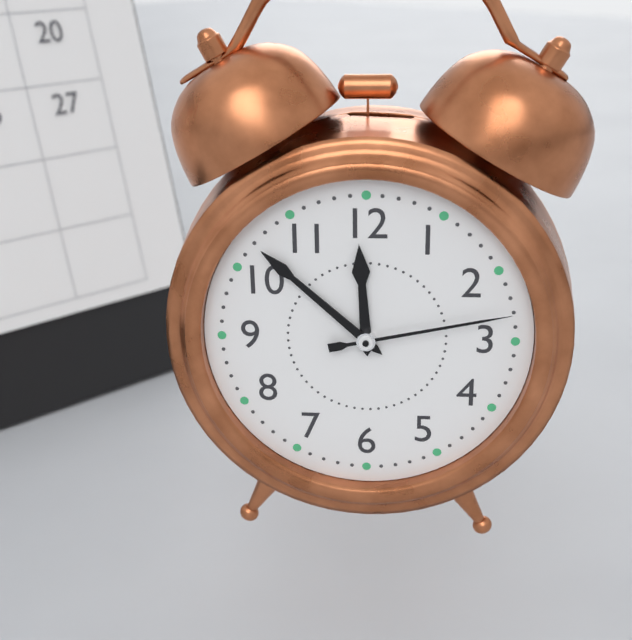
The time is 11h52m13s
